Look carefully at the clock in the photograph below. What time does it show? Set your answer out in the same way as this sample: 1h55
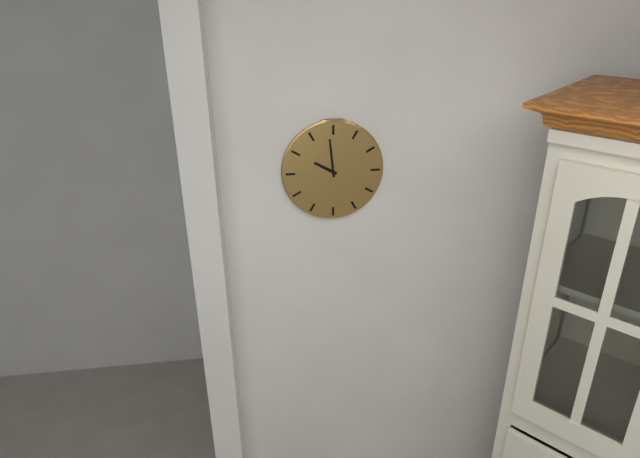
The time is 9h59
